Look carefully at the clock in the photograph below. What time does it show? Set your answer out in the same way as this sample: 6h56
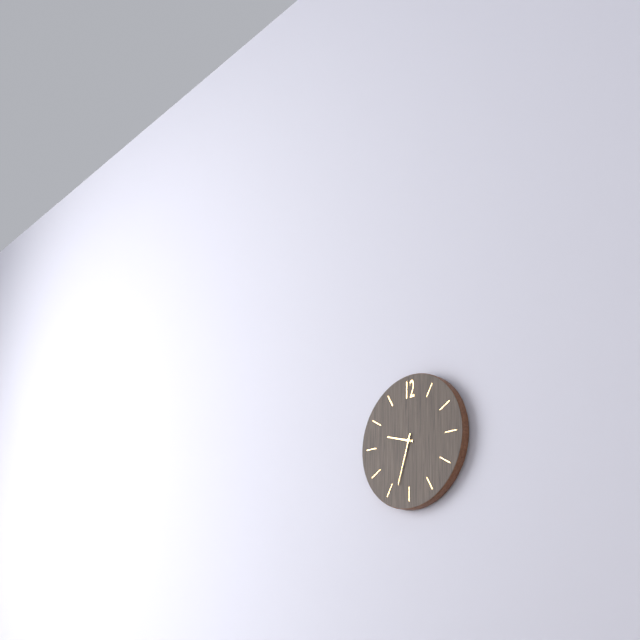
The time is 9h33
